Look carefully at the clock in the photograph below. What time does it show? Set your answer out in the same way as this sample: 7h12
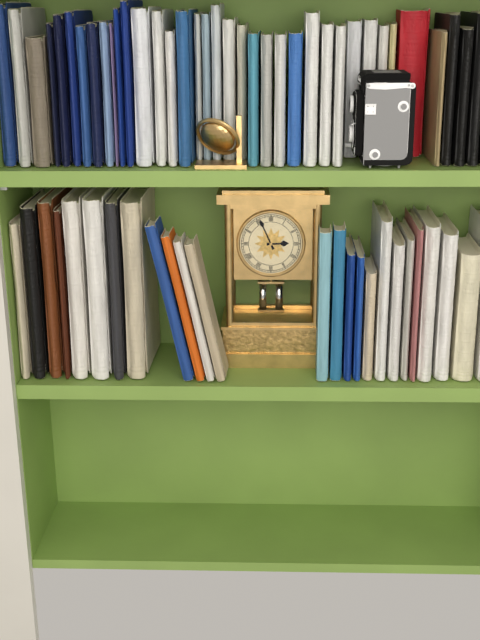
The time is 2h56
